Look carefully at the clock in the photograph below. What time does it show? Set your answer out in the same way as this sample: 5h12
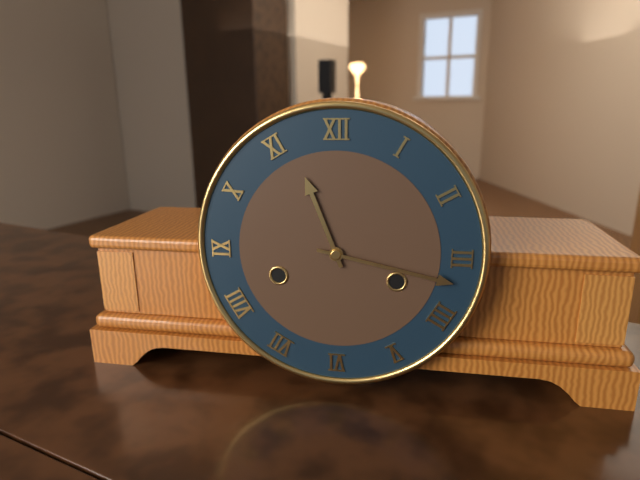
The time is 11h17
